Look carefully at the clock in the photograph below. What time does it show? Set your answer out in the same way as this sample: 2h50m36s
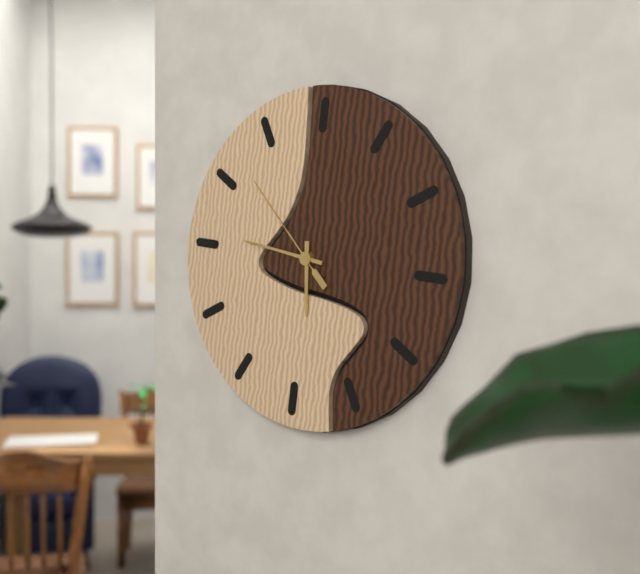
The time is 5h46m52s
